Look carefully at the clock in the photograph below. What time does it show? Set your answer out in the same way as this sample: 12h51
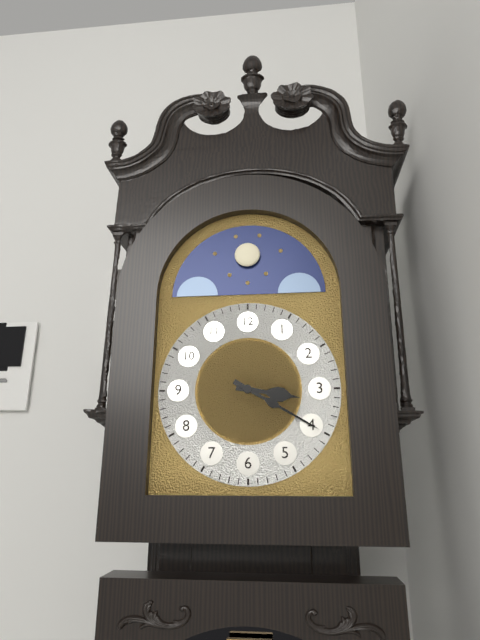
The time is 3h20
